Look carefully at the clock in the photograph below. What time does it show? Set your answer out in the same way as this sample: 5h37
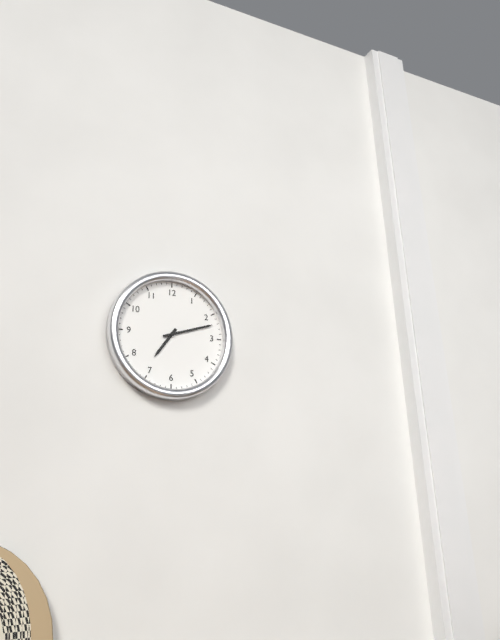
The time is 7h12
